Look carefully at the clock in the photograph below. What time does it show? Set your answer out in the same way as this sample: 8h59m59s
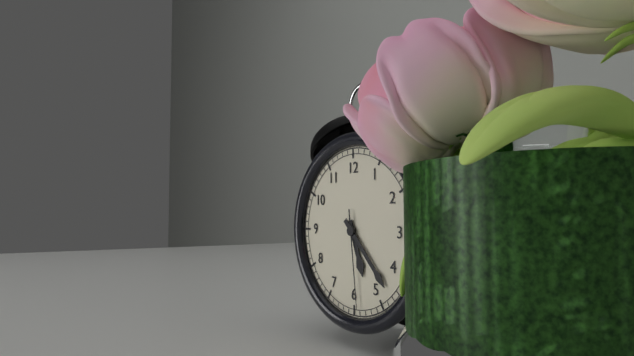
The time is 5h23m29s
